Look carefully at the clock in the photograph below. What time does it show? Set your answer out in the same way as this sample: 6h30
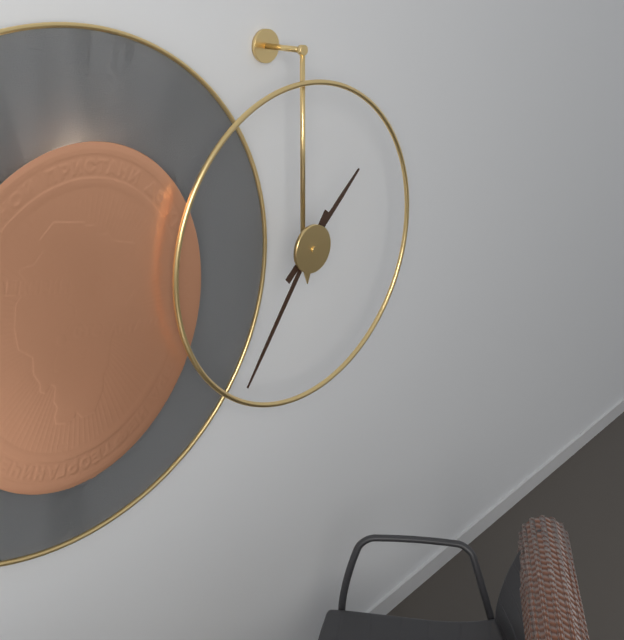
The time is 1h36
